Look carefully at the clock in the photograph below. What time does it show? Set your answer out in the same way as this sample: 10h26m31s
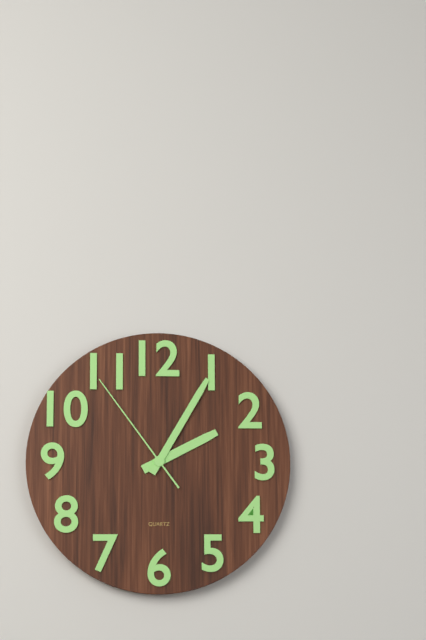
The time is 2h05m54s
